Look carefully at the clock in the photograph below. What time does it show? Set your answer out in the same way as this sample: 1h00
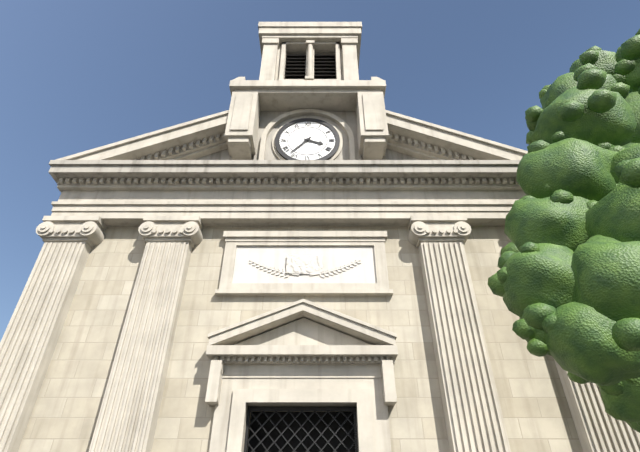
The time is 3h37
